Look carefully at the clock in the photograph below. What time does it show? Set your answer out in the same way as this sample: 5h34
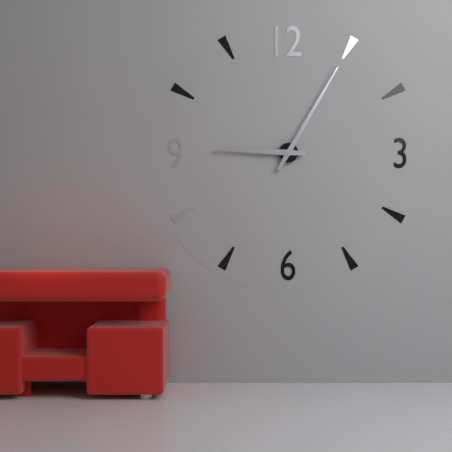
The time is 9h05
